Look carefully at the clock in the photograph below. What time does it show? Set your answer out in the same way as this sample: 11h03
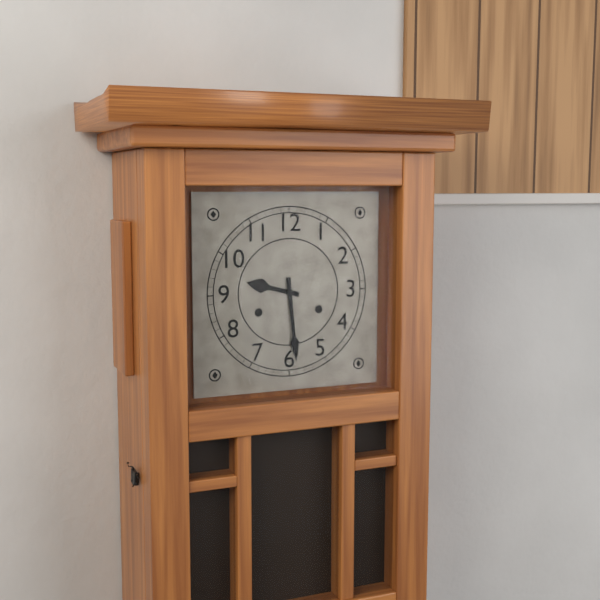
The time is 9h29
